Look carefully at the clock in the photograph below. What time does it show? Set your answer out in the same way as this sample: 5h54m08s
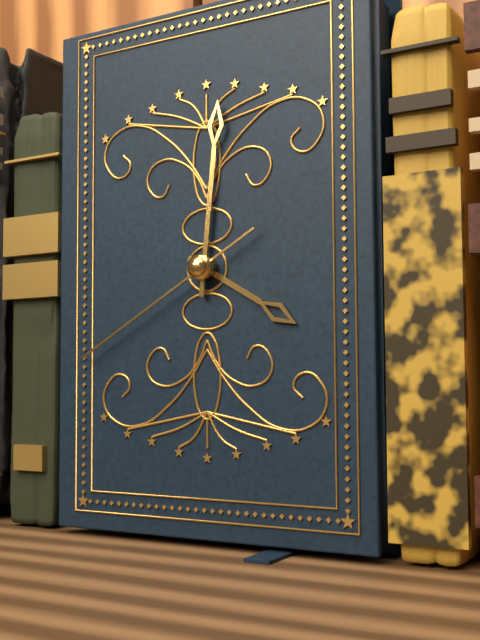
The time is 4h01m40s
